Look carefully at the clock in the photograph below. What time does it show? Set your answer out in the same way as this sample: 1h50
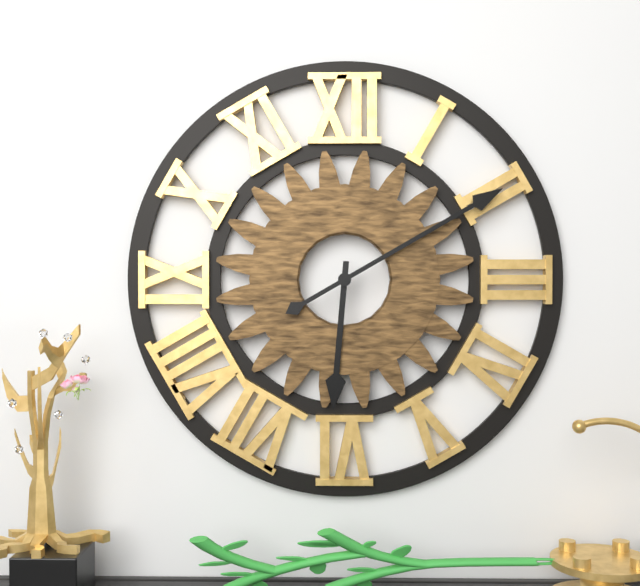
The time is 6h10
